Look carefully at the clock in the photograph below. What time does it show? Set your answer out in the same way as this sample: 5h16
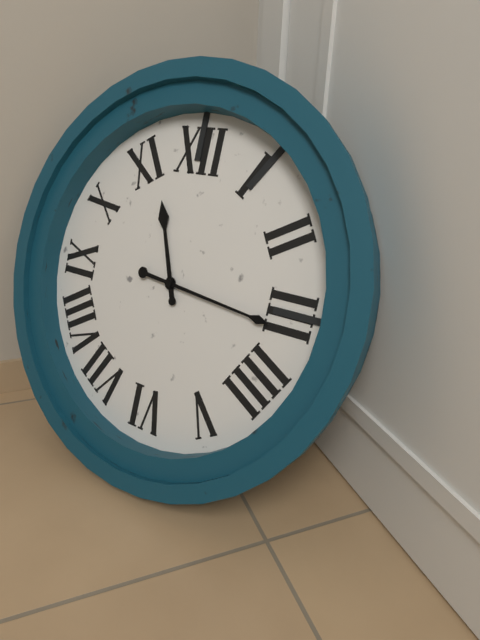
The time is 11h16
